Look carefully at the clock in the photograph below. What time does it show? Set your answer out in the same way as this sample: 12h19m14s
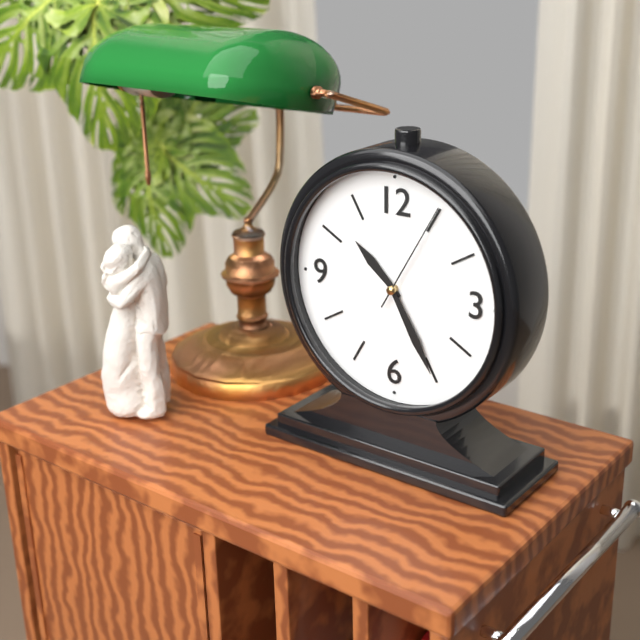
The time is 10h25m05s
